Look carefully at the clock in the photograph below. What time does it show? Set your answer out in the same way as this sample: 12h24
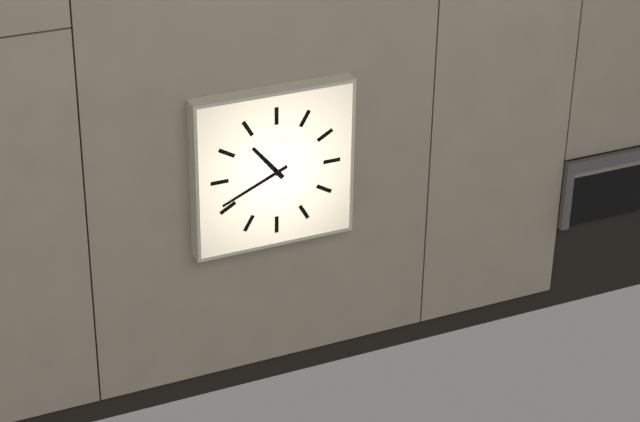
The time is 10h41
